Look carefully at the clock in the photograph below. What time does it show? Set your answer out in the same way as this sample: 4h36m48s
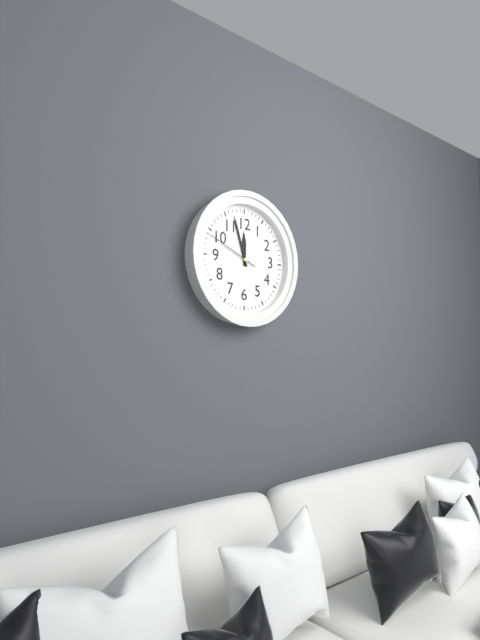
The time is 11h57m49s
